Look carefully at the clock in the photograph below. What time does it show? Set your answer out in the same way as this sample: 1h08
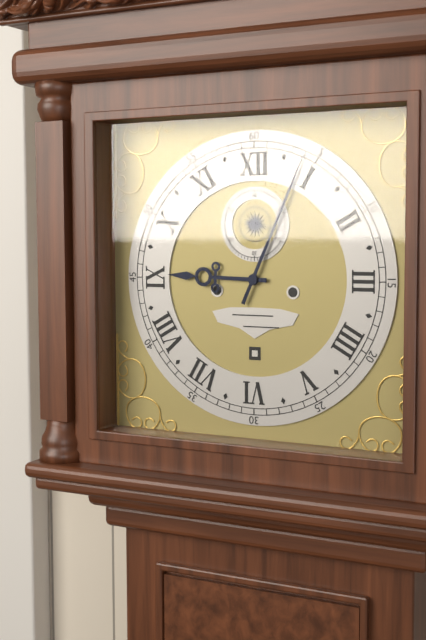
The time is 9h04
